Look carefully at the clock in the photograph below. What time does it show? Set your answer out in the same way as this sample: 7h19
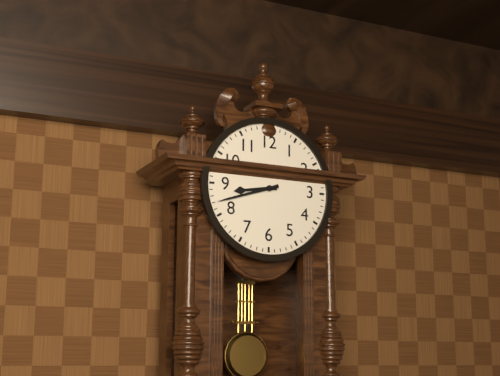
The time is 8h42
